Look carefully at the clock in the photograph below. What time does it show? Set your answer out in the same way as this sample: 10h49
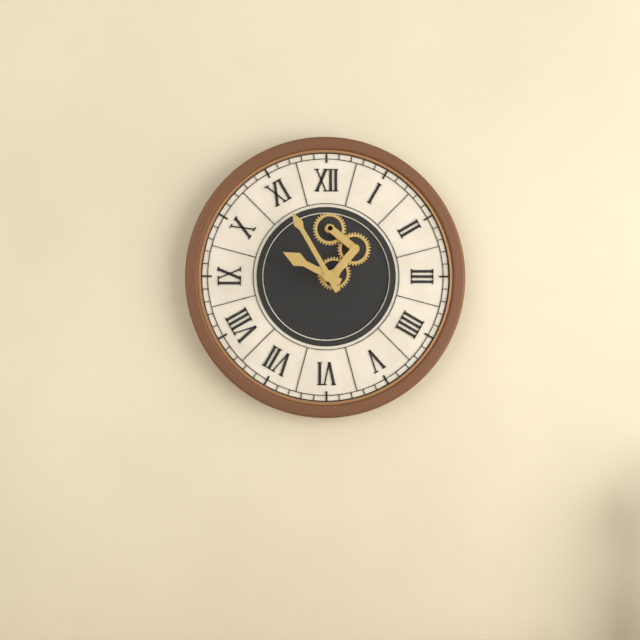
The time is 9h55
